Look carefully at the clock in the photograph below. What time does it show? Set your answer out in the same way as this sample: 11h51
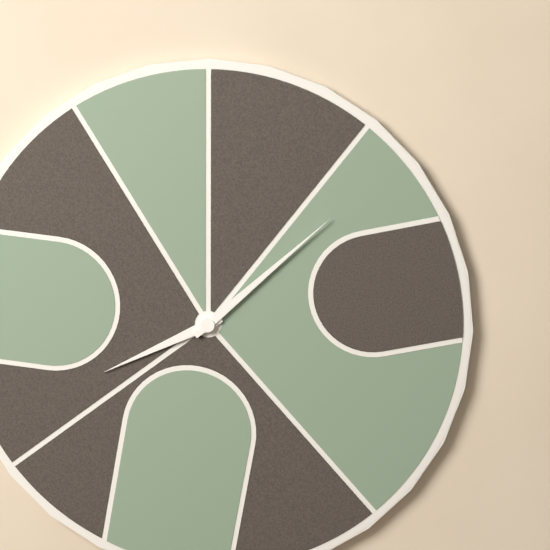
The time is 8h08
